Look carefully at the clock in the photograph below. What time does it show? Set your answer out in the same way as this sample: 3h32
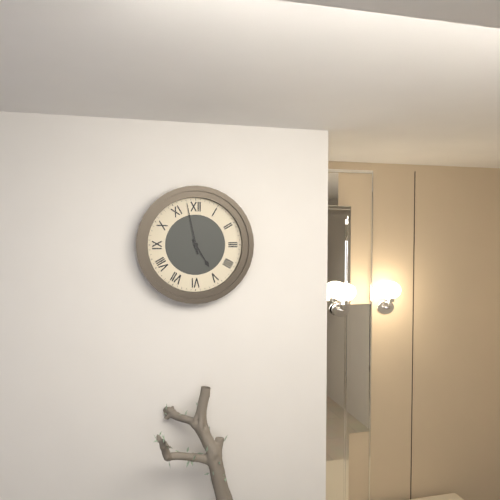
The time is 4h58
